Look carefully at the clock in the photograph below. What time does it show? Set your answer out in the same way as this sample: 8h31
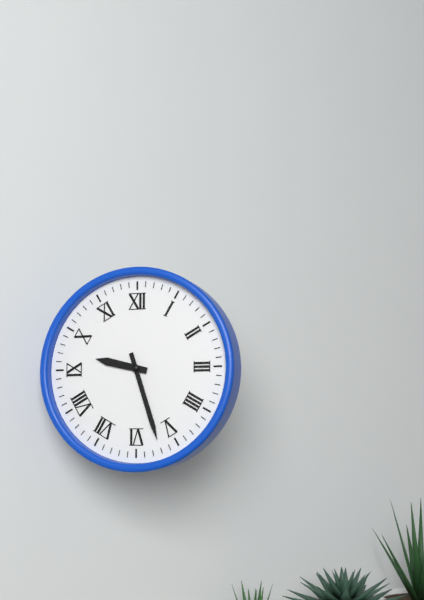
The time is 9h27
